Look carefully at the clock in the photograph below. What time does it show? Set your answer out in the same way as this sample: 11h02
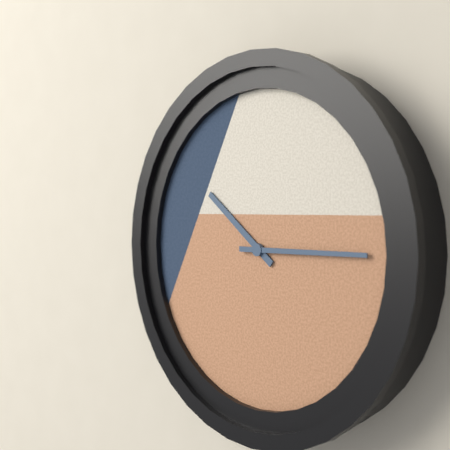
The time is 10h15
